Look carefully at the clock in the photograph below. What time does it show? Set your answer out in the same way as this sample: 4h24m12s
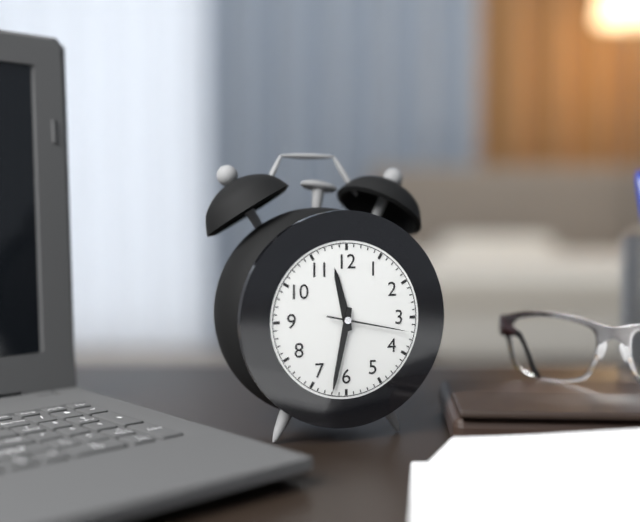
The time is 11h32m17s
